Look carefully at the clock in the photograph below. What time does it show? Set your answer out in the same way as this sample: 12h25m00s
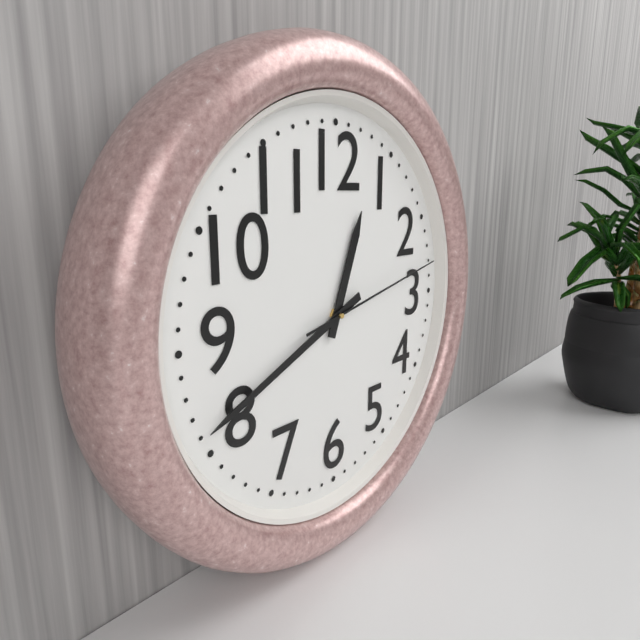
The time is 12h41m13s
